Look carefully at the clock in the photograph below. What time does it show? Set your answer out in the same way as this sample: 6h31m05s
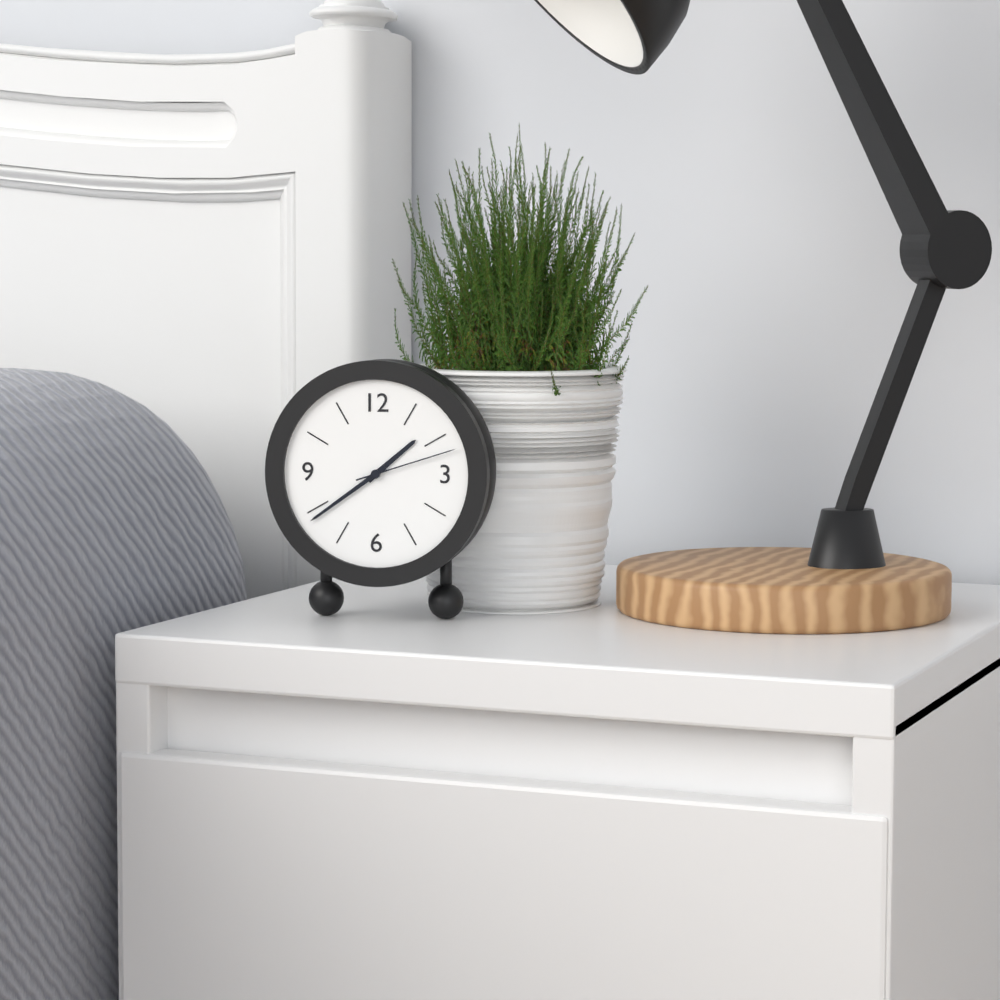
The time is 1h39m12s
